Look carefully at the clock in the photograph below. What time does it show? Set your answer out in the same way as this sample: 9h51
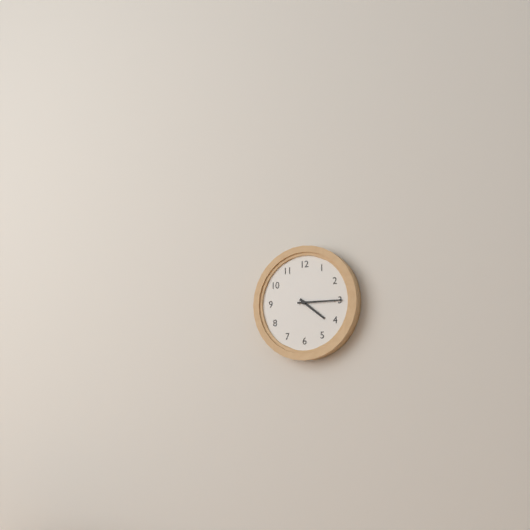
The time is 4h15
